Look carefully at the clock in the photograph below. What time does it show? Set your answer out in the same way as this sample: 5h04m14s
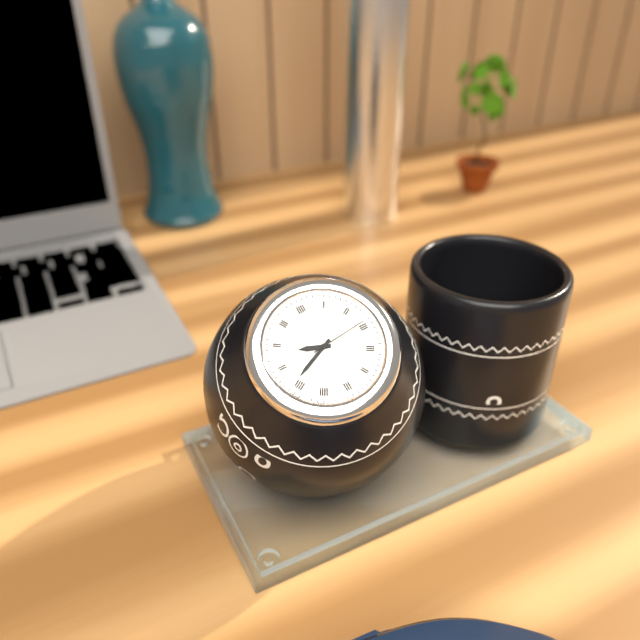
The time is 9h41m14s
